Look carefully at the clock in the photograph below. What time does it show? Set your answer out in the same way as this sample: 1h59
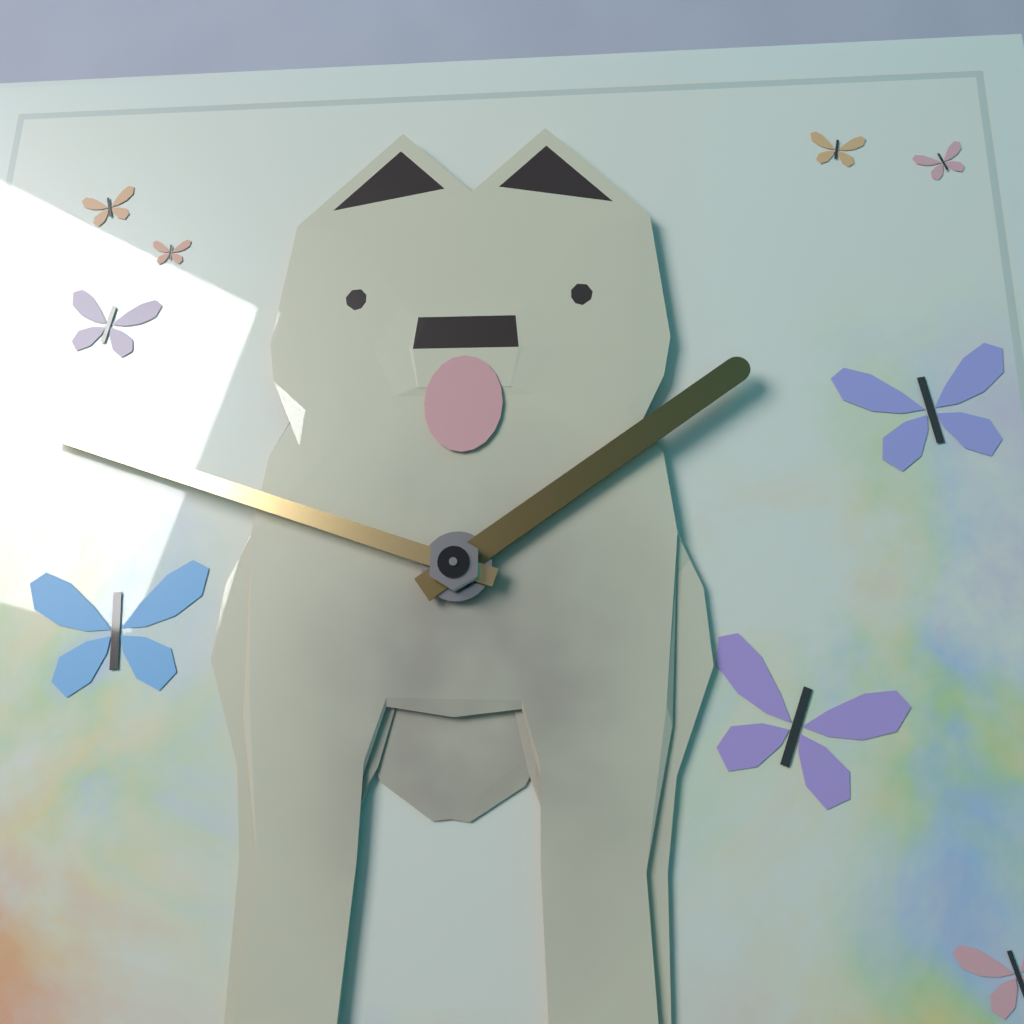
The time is 1h48
